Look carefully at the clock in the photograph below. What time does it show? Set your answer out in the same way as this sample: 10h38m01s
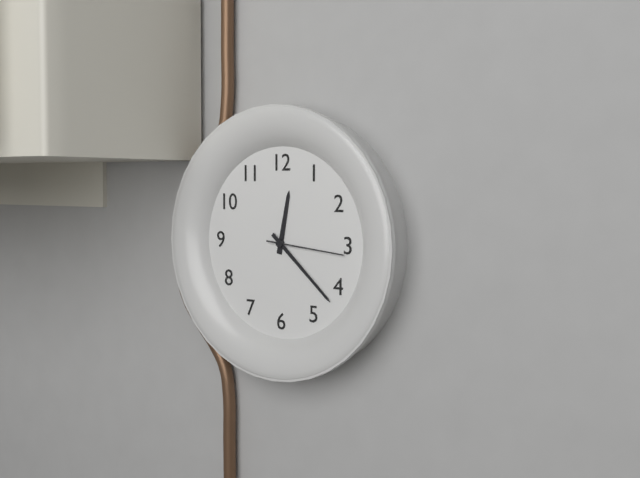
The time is 12h22m16s
